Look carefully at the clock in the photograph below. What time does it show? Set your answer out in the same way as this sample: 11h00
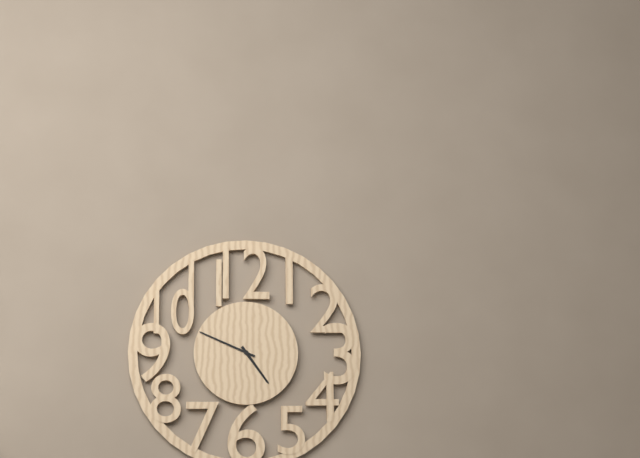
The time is 4h49
